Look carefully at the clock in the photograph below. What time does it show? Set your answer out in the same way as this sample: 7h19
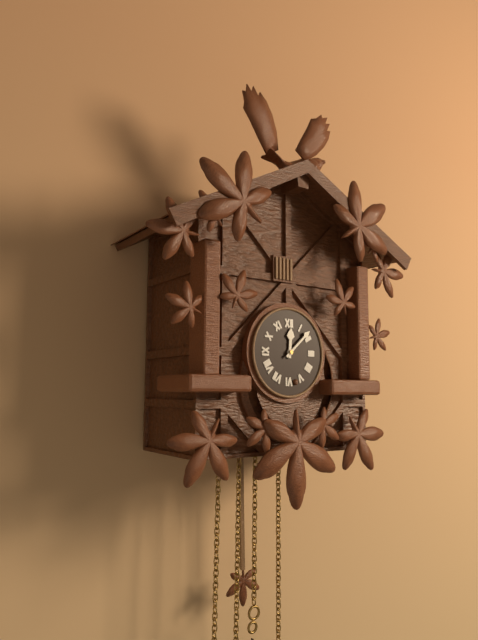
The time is 12h08
